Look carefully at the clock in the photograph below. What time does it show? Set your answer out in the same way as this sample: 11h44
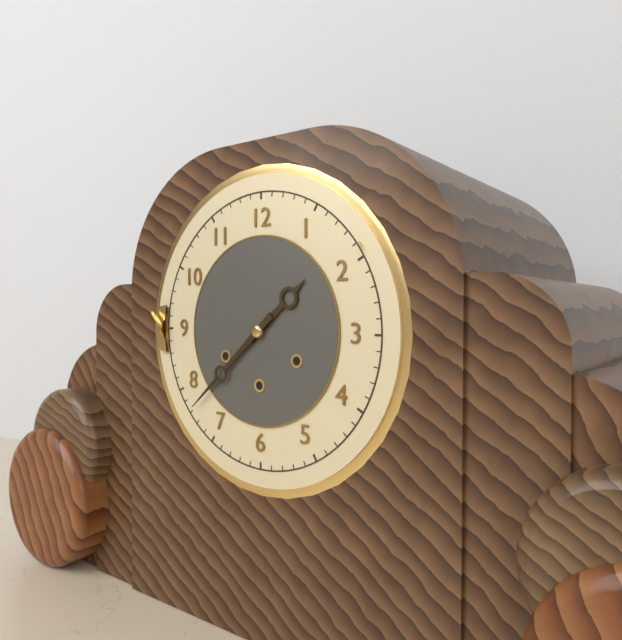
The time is 1h38
